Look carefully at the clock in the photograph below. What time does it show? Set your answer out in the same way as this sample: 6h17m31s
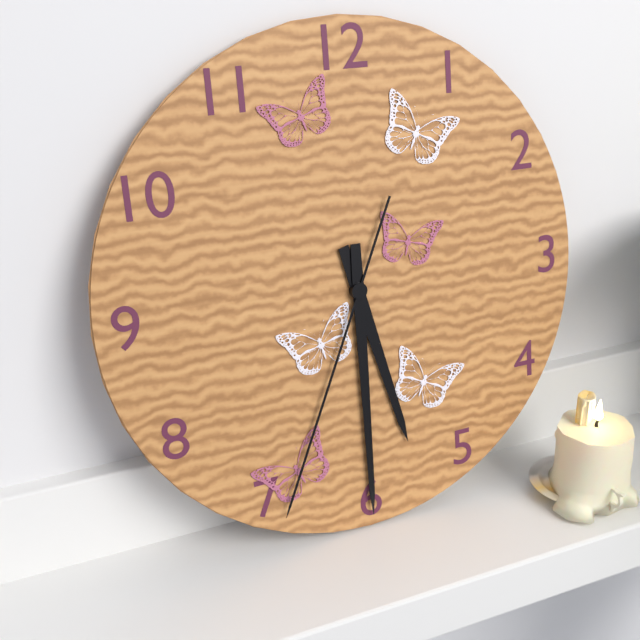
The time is 5h30m34s
